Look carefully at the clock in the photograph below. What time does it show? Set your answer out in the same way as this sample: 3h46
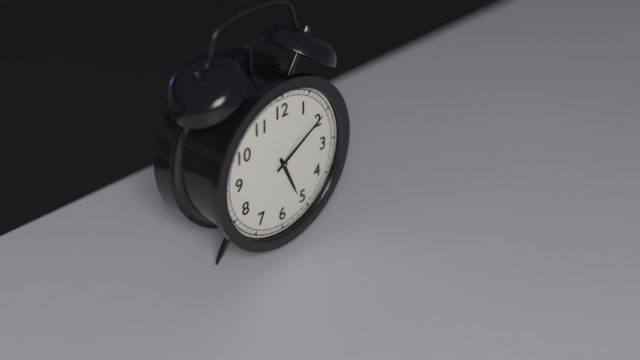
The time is 5h10
